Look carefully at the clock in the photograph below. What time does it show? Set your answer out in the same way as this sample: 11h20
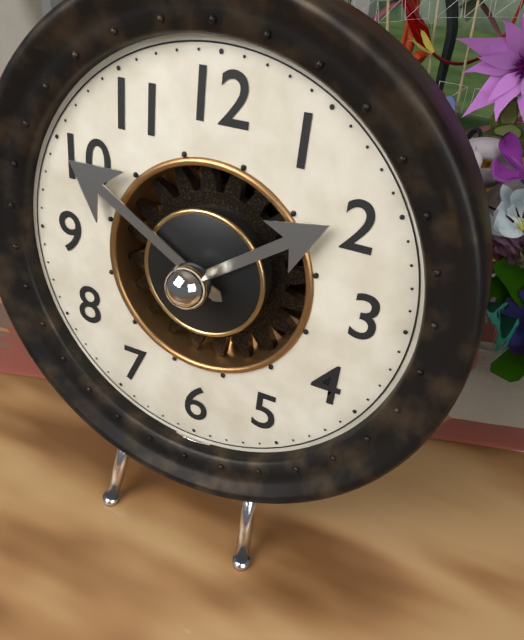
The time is 1h50
